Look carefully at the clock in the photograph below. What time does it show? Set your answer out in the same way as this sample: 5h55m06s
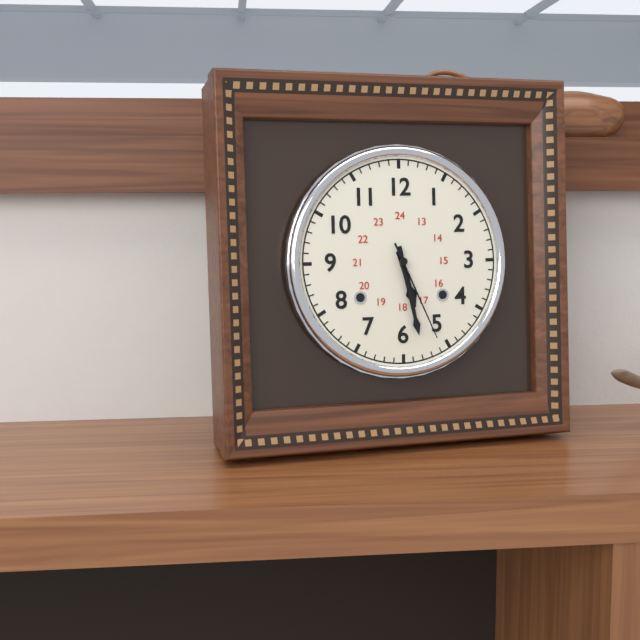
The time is 5h28m26s
